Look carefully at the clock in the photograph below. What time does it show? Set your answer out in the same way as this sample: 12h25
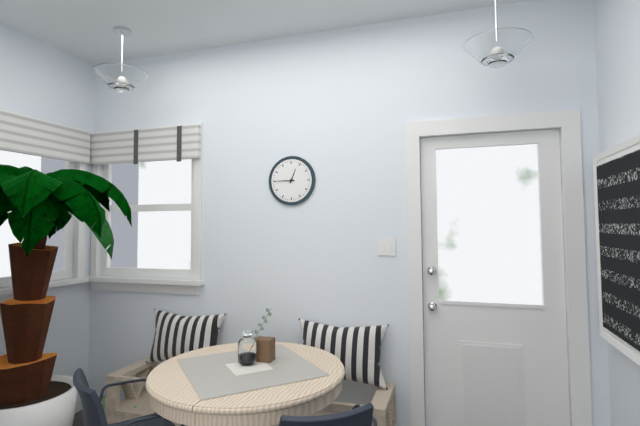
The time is 12h45
